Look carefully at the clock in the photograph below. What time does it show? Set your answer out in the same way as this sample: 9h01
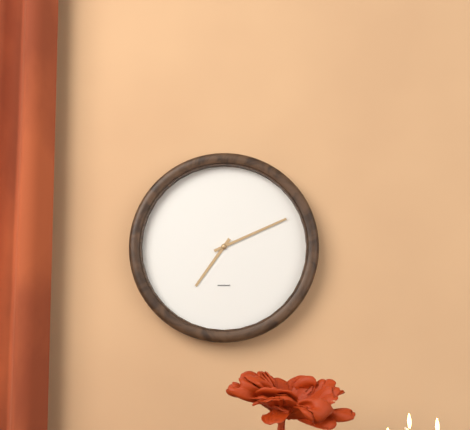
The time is 7h11
